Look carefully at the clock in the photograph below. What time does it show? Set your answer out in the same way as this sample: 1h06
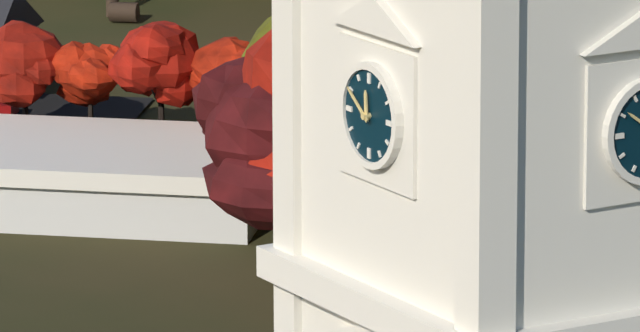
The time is 11h51
